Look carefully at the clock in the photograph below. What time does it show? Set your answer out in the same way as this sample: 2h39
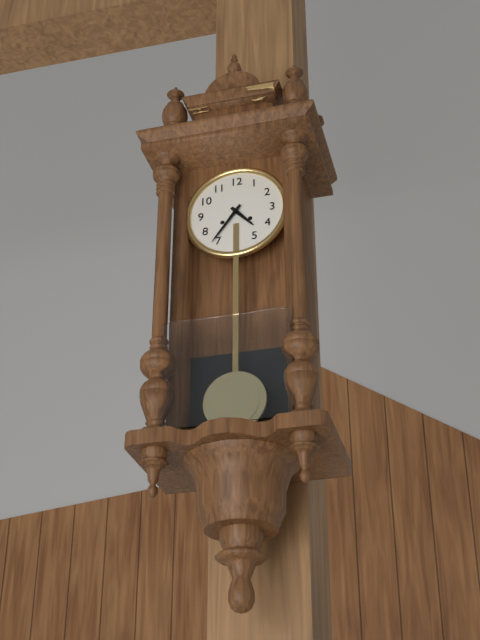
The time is 4h36
